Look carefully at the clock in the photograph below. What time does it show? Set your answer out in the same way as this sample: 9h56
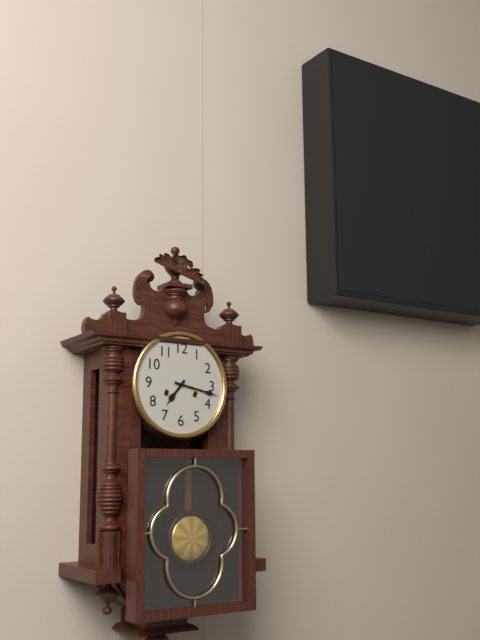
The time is 7h17
